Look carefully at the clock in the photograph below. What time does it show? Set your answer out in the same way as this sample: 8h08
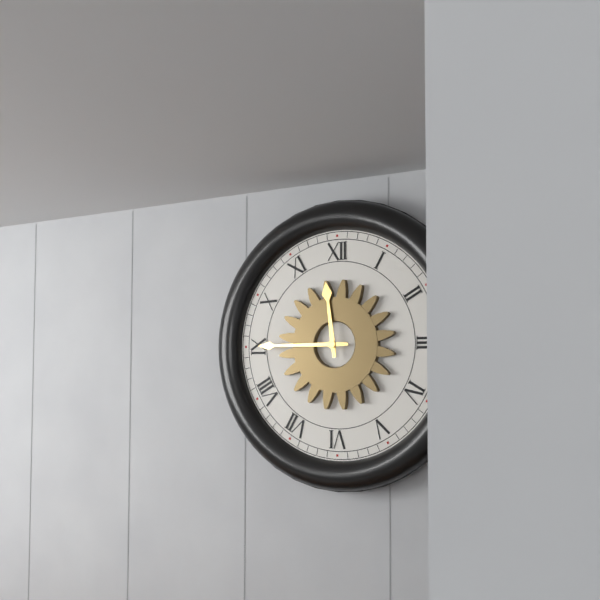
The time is 11h45
